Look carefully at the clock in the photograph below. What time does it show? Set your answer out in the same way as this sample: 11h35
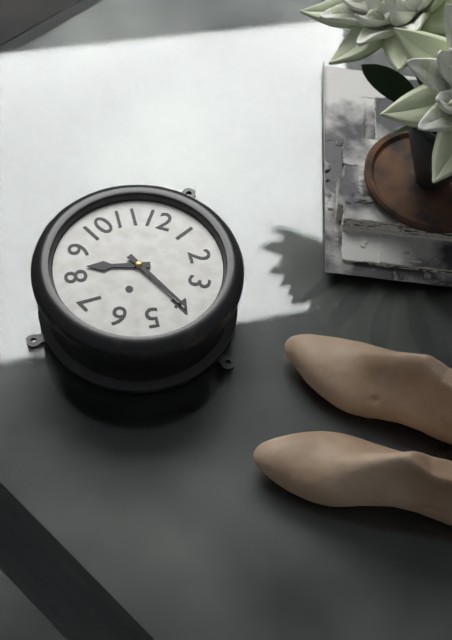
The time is 8h20
